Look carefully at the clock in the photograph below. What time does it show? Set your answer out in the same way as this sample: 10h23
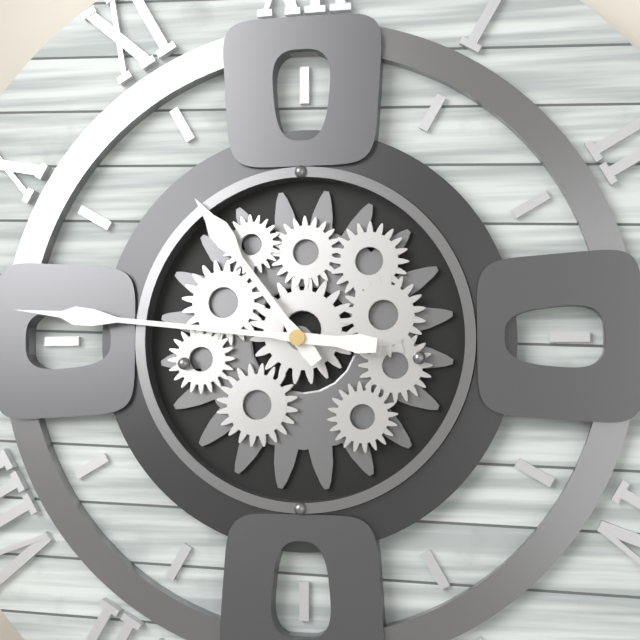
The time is 10h46
